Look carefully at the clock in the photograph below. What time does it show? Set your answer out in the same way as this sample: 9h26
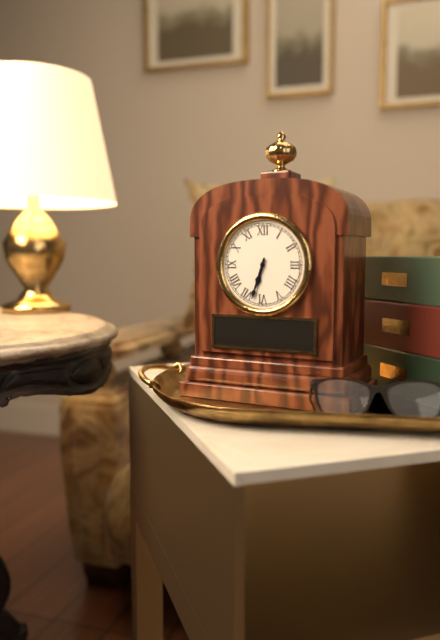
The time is 6h33
